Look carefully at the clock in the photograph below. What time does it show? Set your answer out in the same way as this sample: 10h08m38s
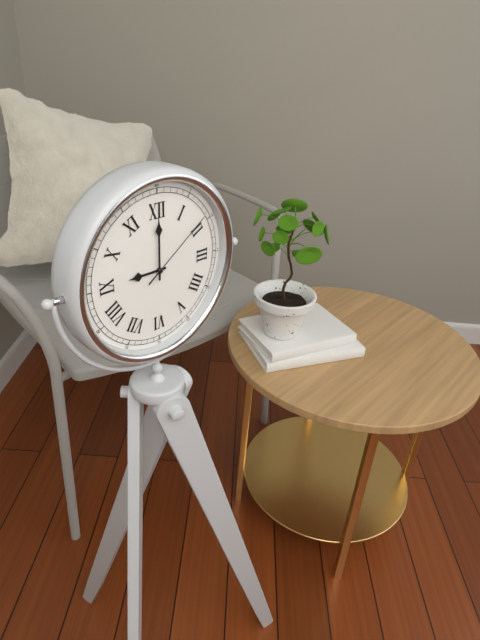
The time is 9h00m09s
